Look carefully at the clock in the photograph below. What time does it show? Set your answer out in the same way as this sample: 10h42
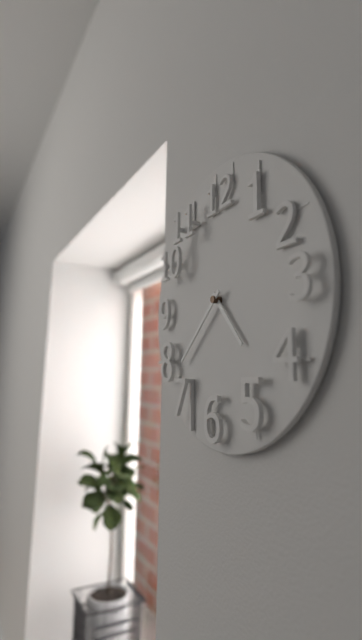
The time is 4h38
